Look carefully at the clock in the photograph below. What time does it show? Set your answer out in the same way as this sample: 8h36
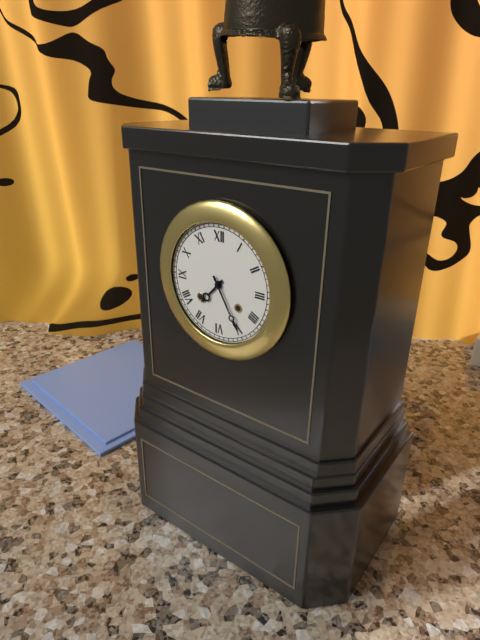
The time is 7h25
